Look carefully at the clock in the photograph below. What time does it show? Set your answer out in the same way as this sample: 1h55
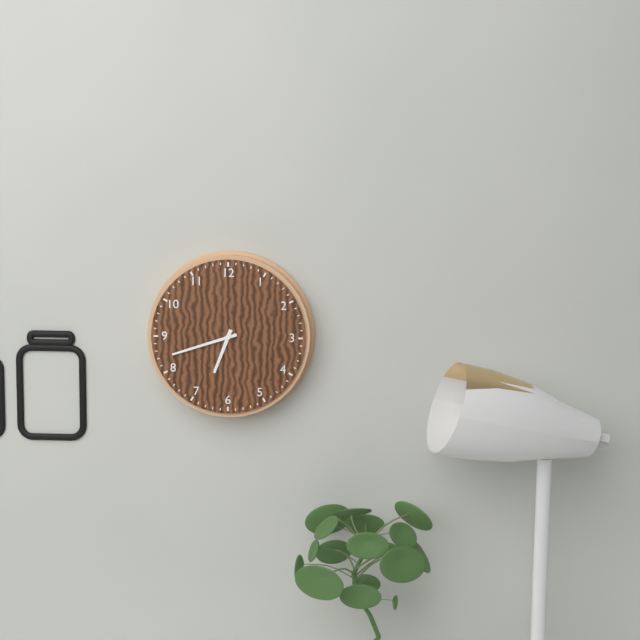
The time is 6h42
